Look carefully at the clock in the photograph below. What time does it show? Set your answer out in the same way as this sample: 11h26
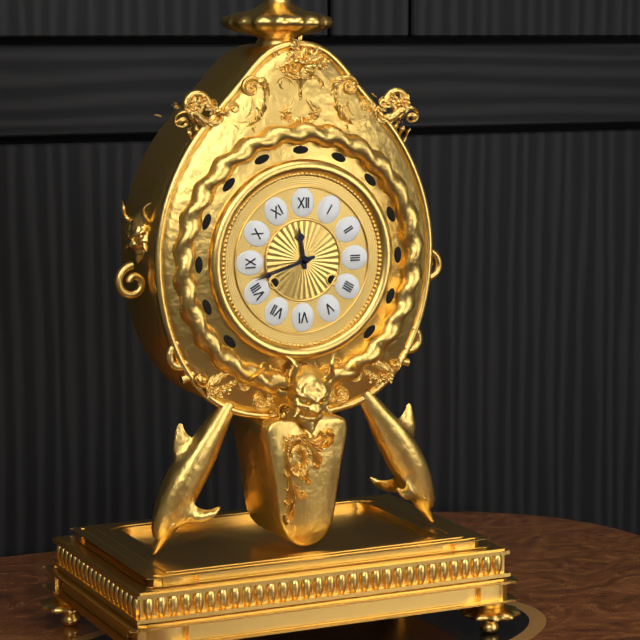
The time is 11h42
